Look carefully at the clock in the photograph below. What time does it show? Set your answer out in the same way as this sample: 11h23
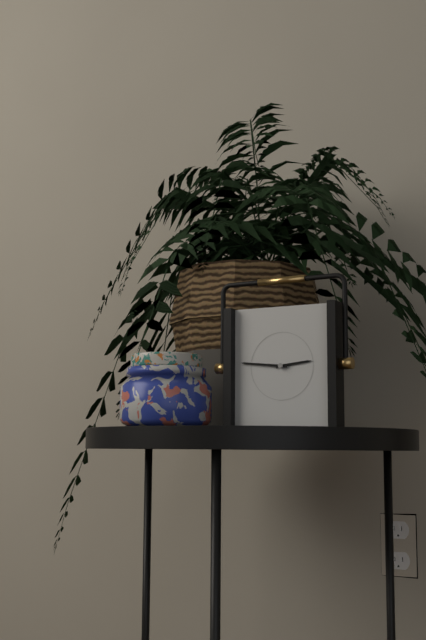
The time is 2h46
